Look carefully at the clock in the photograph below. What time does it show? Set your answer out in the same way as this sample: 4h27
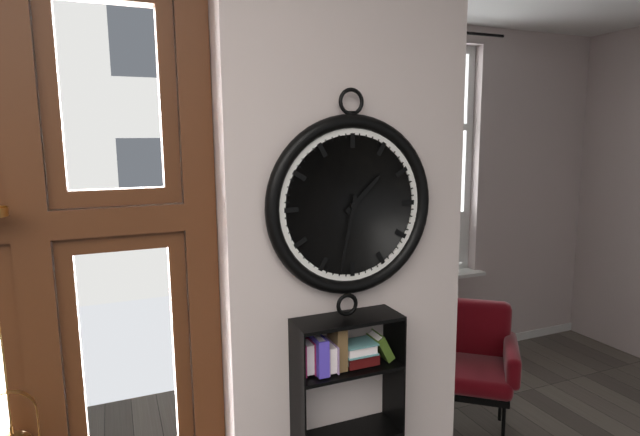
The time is 1h32
